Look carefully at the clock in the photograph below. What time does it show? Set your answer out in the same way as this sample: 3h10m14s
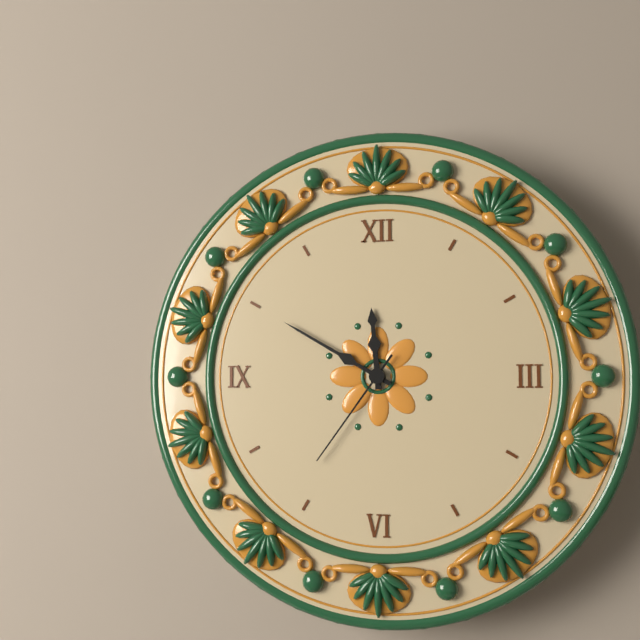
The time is 11h50m36s
